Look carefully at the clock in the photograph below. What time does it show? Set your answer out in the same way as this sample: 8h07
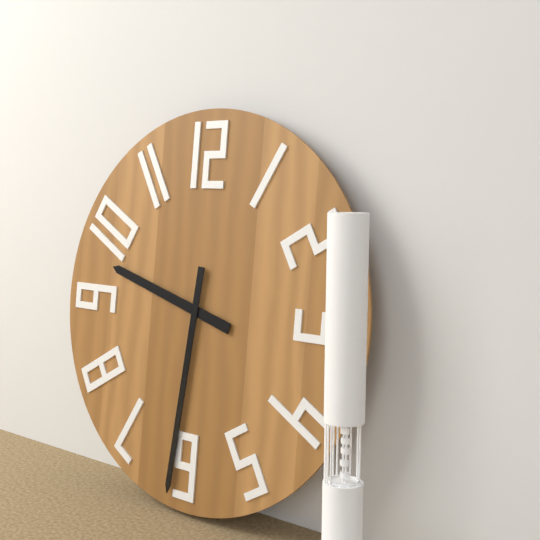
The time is 9h31
